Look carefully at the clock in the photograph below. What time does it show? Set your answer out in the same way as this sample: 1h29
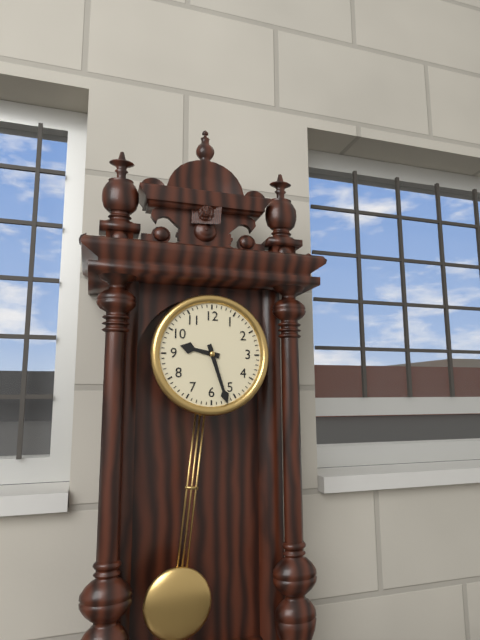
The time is 9h27
